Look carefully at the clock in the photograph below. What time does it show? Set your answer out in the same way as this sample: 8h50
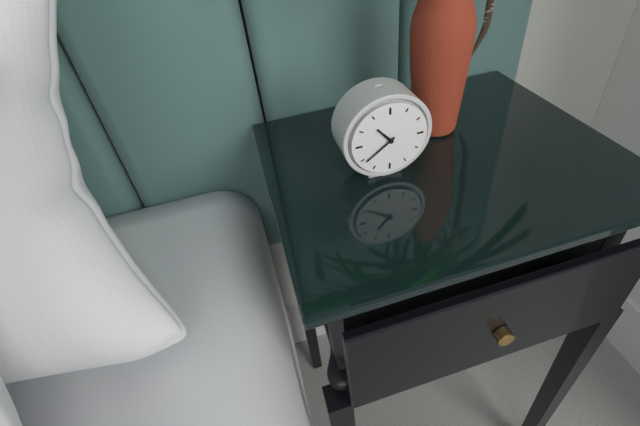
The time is 10h39
